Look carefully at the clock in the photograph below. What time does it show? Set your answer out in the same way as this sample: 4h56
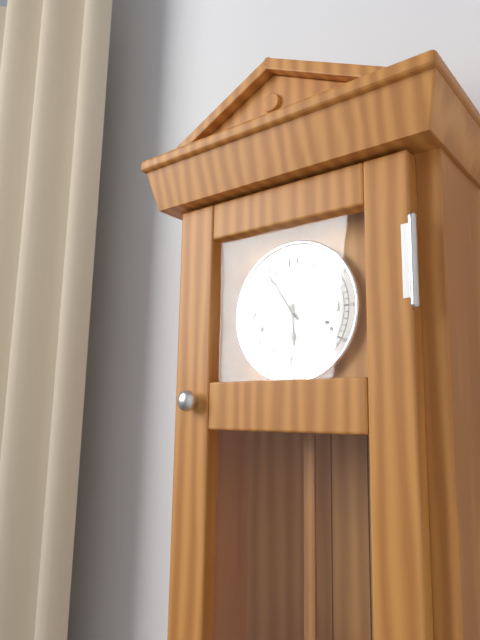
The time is 5h54
